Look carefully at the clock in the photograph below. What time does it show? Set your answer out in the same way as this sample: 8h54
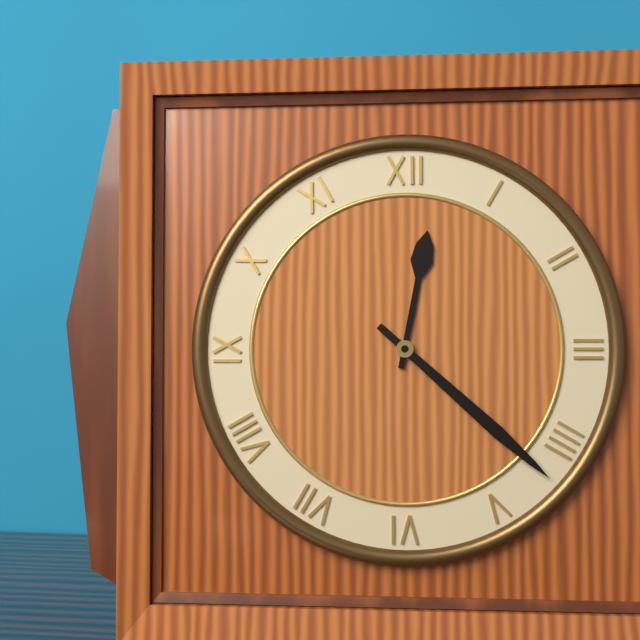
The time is 12h22
